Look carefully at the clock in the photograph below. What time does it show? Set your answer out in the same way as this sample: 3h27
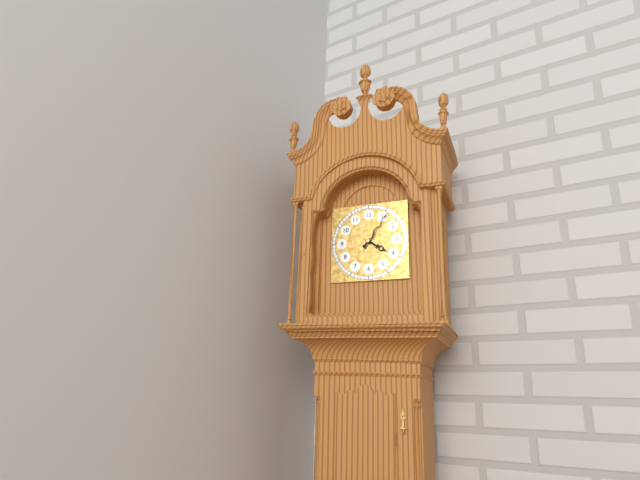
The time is 4h06
